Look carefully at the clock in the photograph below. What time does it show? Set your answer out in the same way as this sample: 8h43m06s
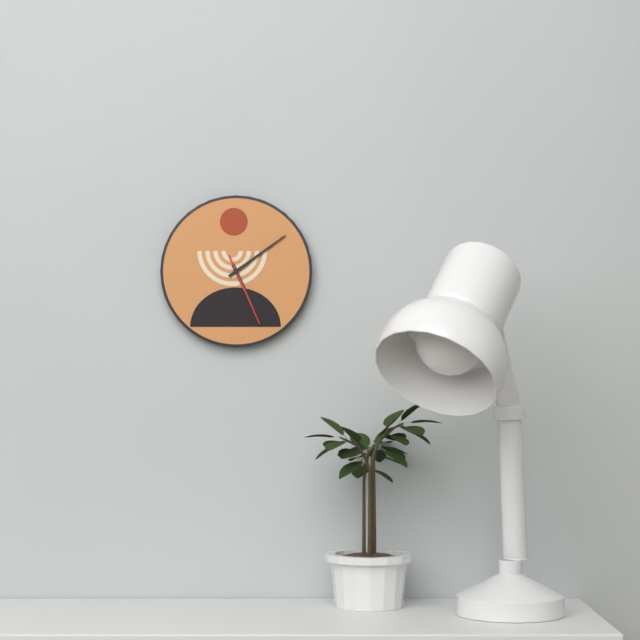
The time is 5h09m26s
